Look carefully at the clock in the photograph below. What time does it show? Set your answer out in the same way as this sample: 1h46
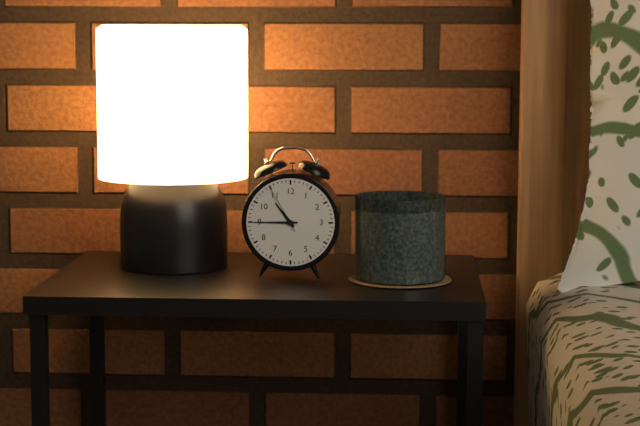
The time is 10h45
